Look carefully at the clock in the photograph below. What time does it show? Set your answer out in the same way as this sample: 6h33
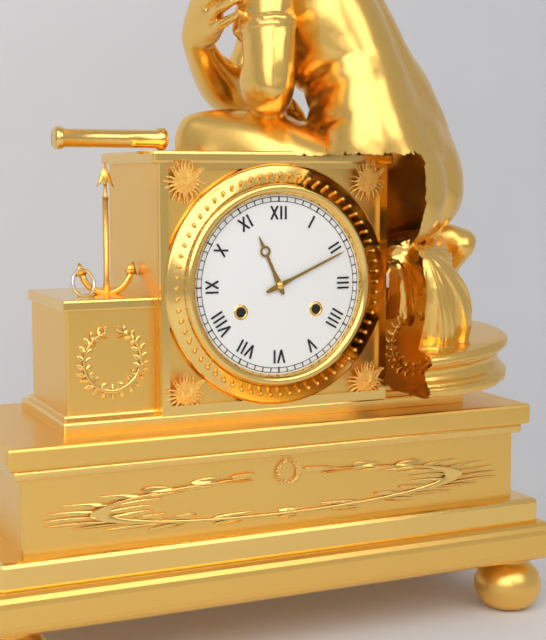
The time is 11h11
